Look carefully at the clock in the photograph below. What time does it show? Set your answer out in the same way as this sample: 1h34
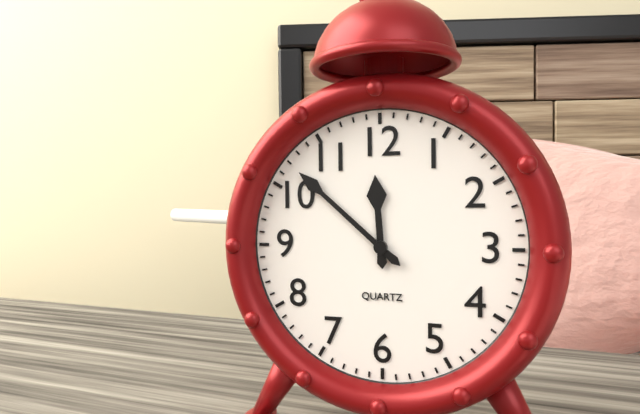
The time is 11h52
